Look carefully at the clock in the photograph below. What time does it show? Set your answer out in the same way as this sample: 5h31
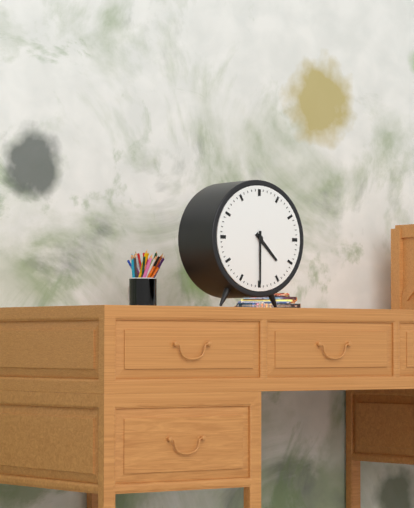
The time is 4h30
